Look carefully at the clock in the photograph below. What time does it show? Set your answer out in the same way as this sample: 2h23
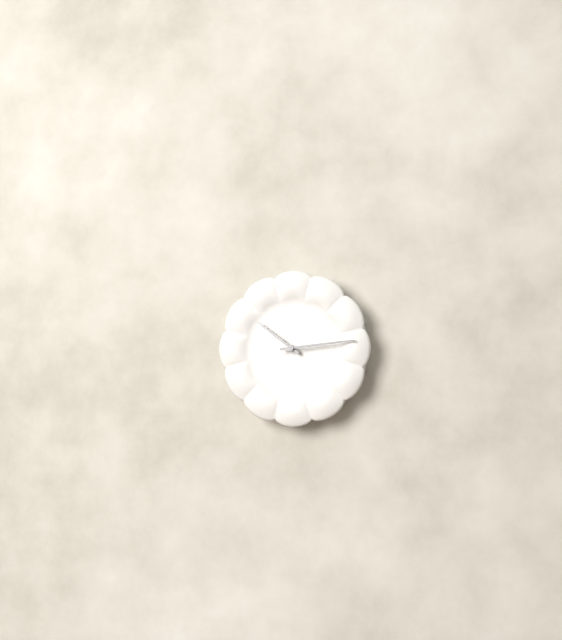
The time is 10h14
